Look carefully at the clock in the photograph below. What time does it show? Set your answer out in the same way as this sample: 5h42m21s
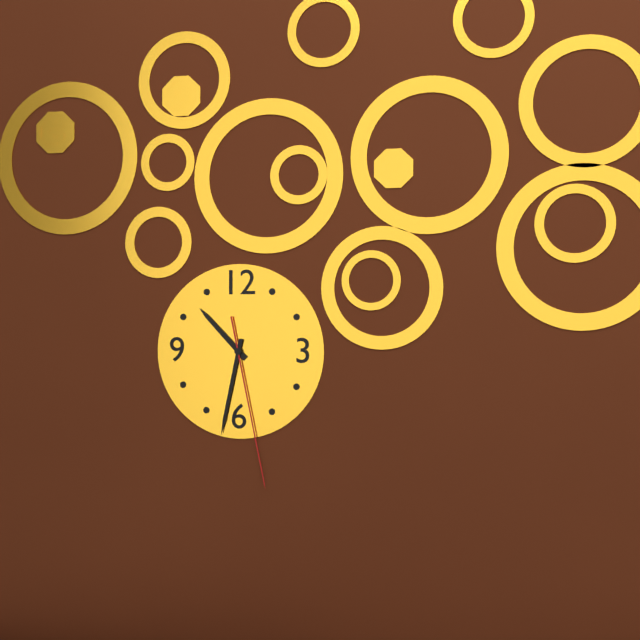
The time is 10h32m28s
